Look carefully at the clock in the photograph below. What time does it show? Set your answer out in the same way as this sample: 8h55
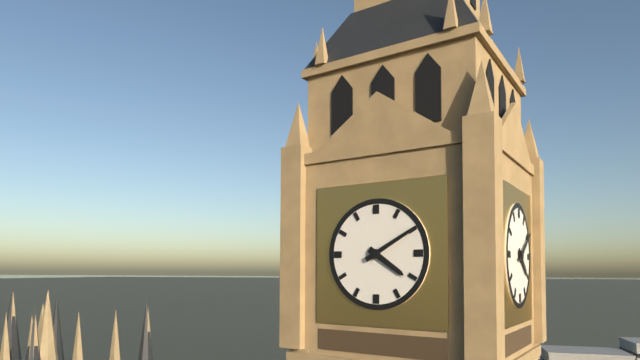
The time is 4h10
